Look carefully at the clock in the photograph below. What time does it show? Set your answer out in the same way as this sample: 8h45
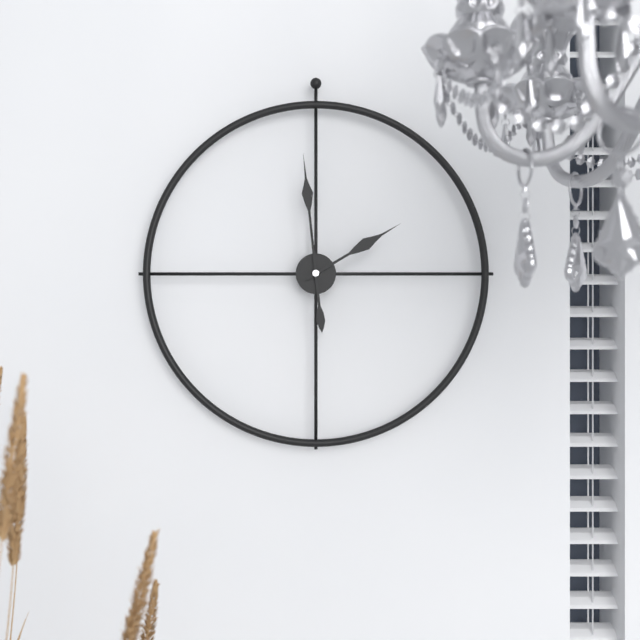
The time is 1h59
